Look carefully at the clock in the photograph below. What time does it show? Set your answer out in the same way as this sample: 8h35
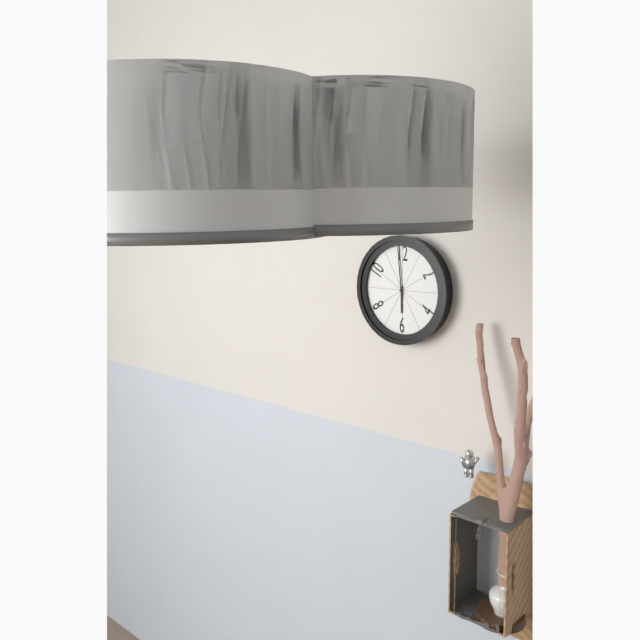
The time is 5h59
